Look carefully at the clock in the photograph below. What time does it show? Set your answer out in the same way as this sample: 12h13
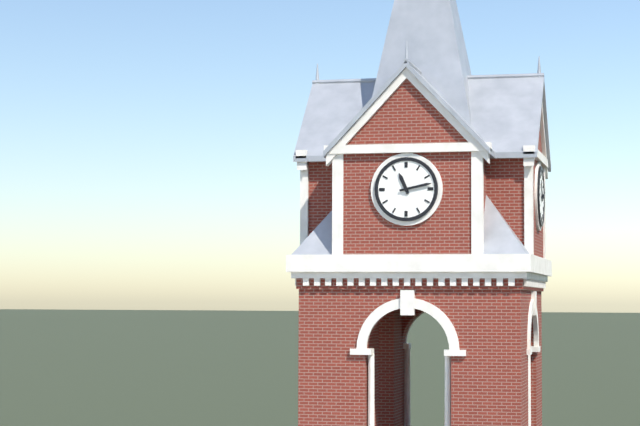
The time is 11h13
